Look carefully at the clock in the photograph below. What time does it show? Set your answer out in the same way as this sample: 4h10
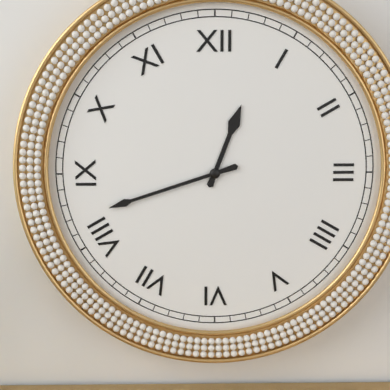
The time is 12h42
